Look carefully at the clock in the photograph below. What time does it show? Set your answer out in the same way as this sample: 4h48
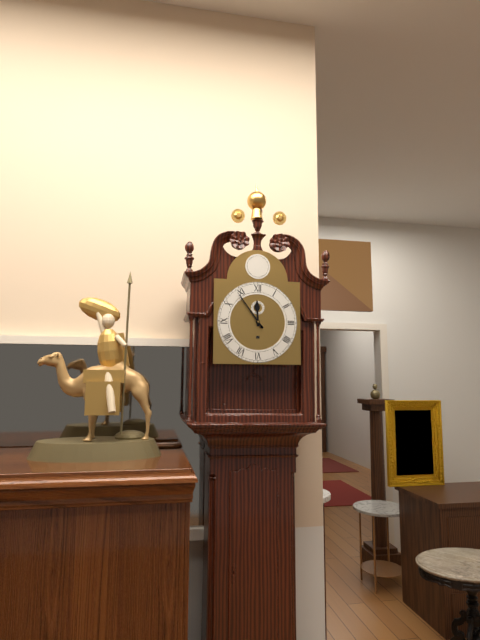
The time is 11h54
